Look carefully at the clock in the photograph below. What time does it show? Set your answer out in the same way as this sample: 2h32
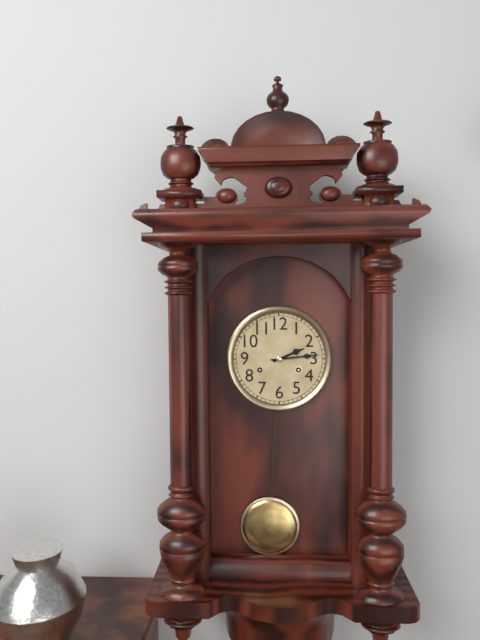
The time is 2h14
